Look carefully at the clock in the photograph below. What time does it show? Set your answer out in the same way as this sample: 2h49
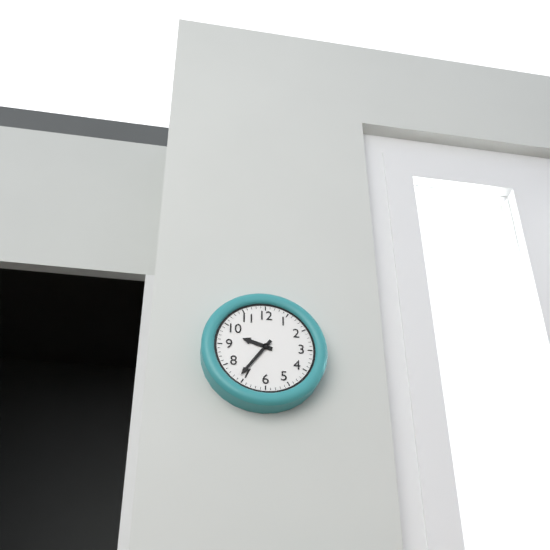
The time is 9h36
